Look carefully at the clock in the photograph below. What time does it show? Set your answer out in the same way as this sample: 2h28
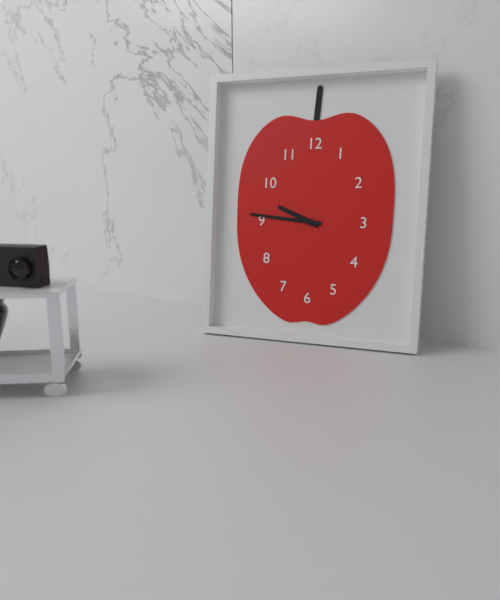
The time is 9h46
